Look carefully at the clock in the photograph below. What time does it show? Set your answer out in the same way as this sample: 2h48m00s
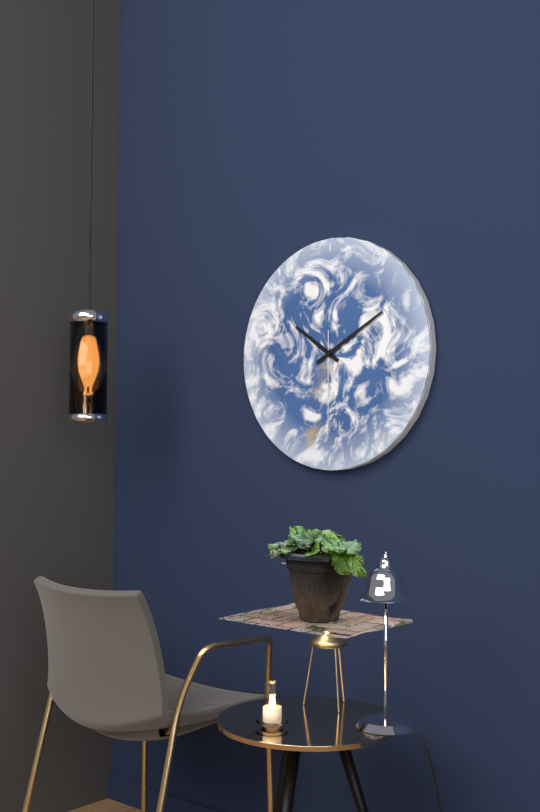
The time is 10h10m30s
